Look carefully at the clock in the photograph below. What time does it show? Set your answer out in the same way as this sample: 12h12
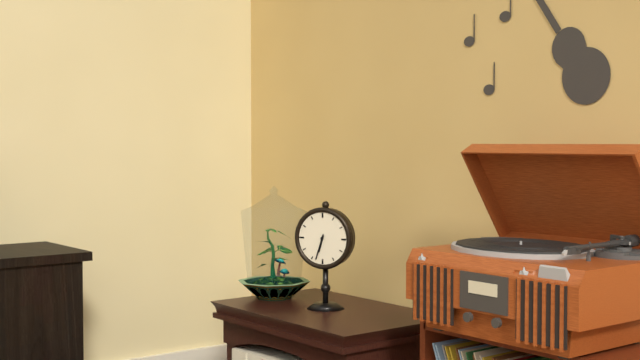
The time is 6h33
